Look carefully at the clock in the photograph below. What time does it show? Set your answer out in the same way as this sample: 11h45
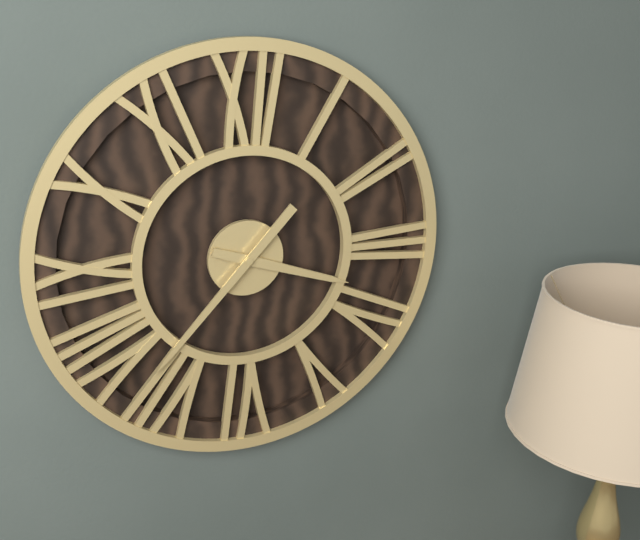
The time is 3h37
